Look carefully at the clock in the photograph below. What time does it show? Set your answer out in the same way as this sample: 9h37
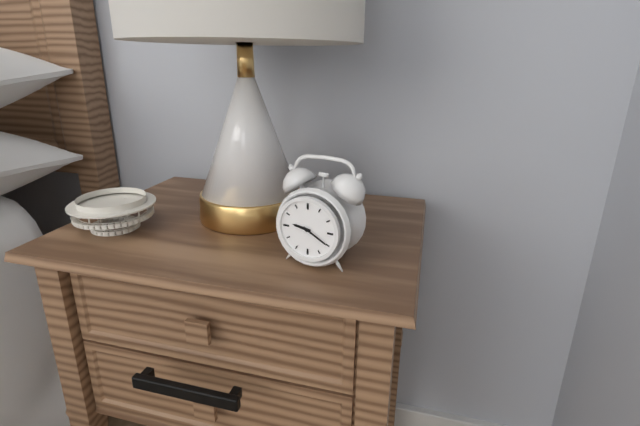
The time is 9h20
